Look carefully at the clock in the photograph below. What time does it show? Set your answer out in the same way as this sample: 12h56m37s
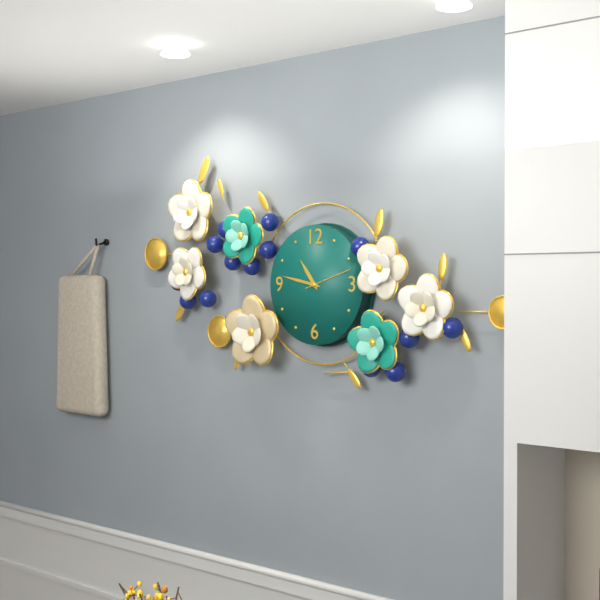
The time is 10h47m12s
